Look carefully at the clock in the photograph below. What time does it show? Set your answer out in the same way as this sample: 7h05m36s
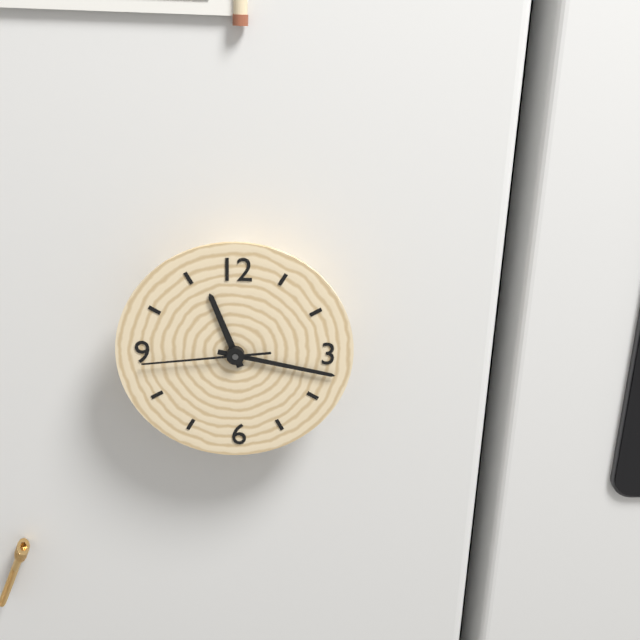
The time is 11h17m44s
